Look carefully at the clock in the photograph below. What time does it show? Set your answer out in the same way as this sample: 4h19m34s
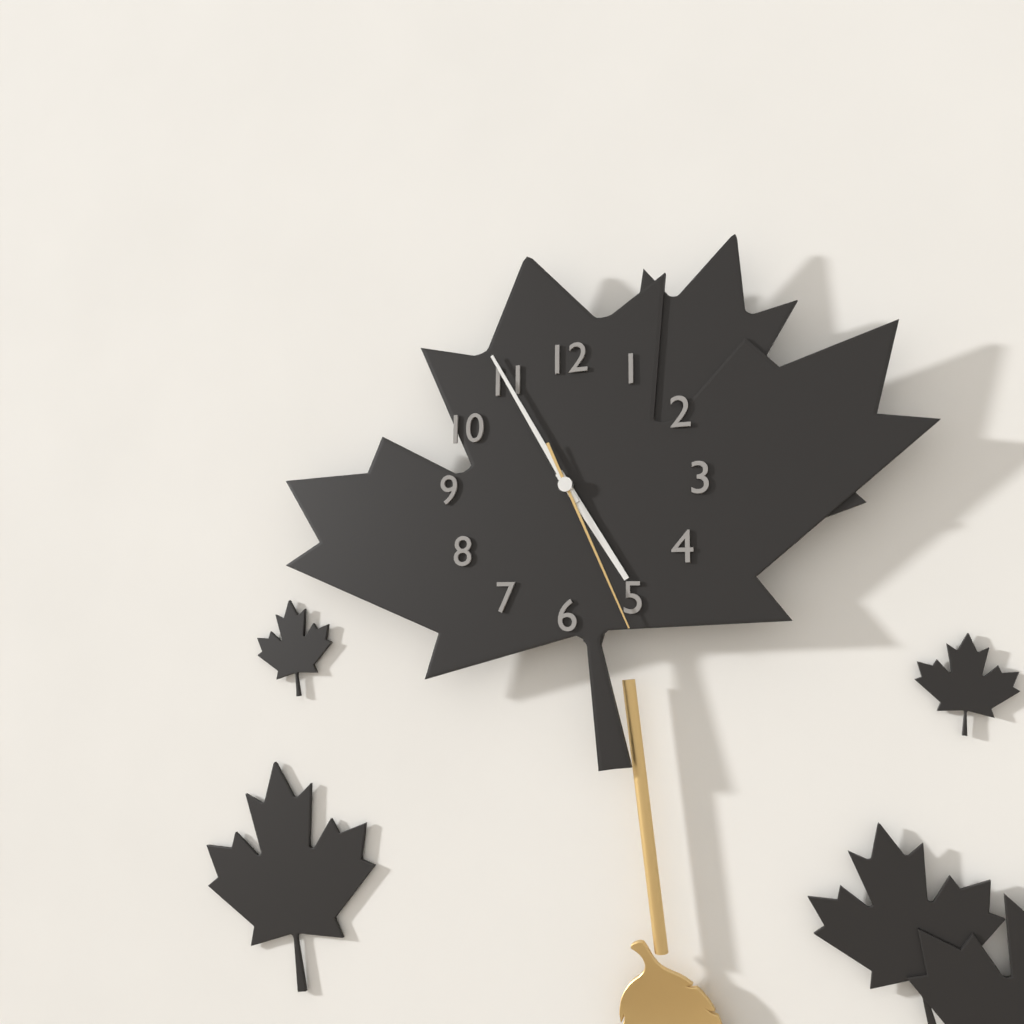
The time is 4h55m26s
